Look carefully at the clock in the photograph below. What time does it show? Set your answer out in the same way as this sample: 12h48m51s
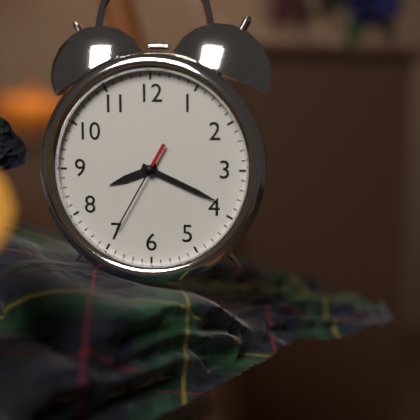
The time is 8h19m35s
